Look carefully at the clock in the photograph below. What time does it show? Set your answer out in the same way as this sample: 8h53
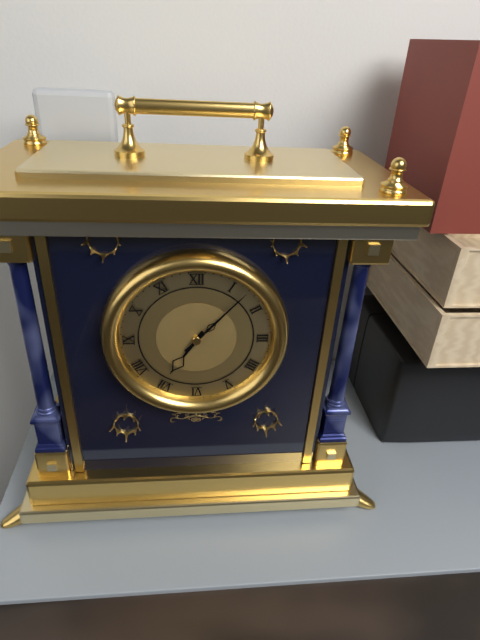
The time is 7h07
